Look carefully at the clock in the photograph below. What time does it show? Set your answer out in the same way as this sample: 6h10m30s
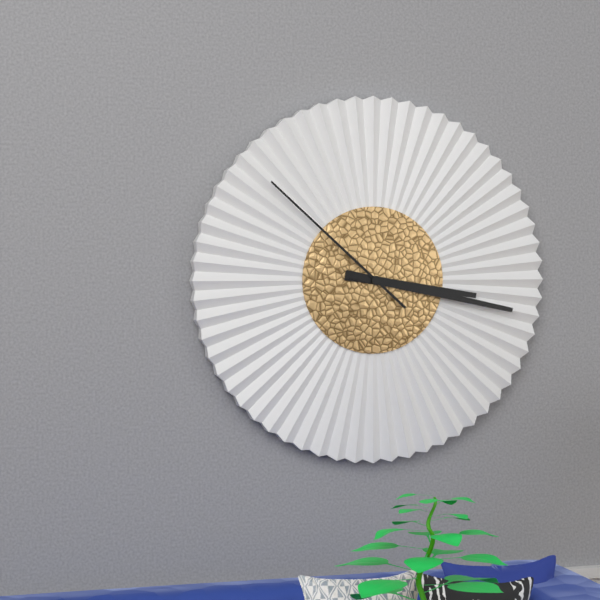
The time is 3h17m52s
